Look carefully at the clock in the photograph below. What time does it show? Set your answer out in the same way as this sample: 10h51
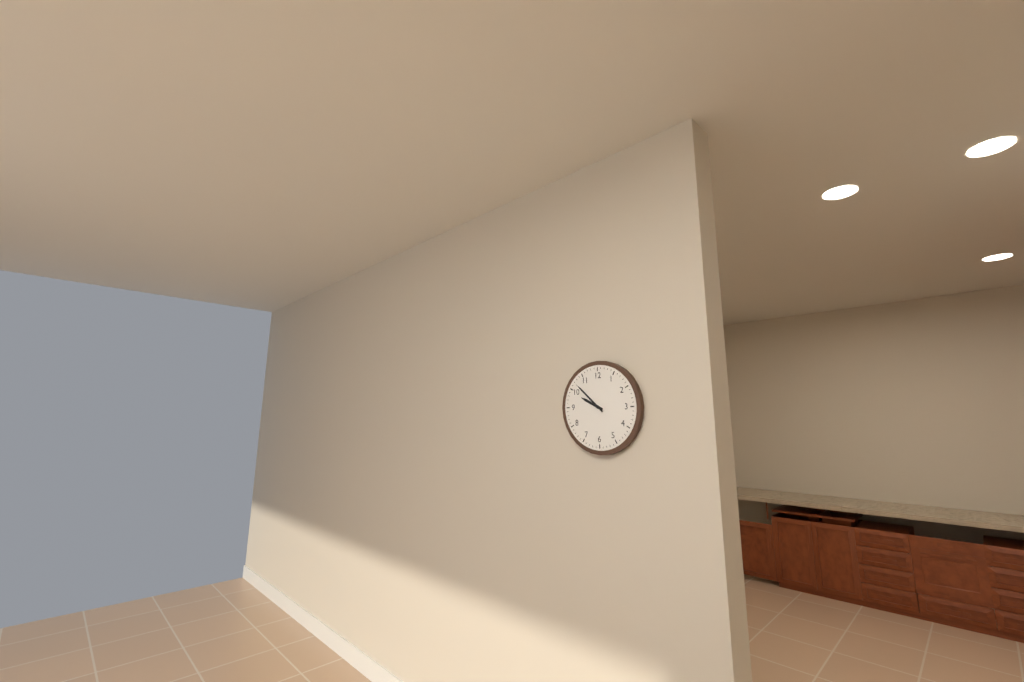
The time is 9h52
